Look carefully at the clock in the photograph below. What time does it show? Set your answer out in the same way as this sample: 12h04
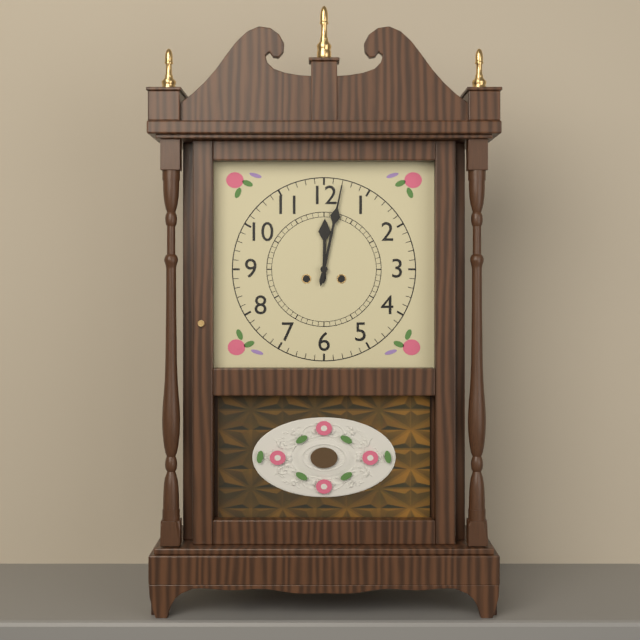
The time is 12h02
